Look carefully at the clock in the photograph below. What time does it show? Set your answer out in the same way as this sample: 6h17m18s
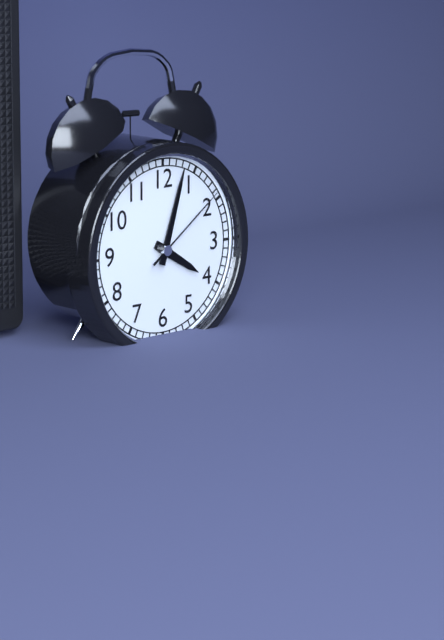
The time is 4h03m09s
